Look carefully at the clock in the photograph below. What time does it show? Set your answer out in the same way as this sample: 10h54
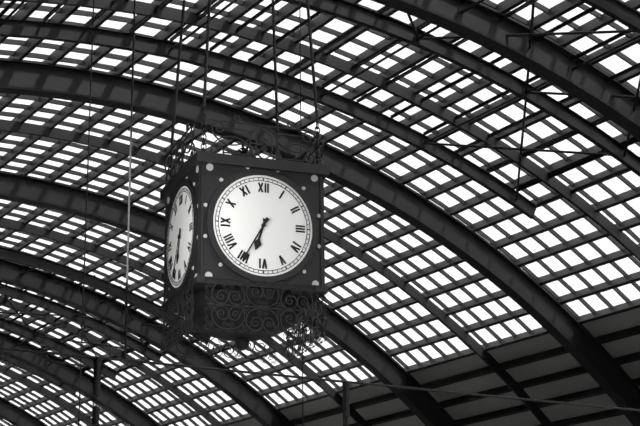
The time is 6h35
